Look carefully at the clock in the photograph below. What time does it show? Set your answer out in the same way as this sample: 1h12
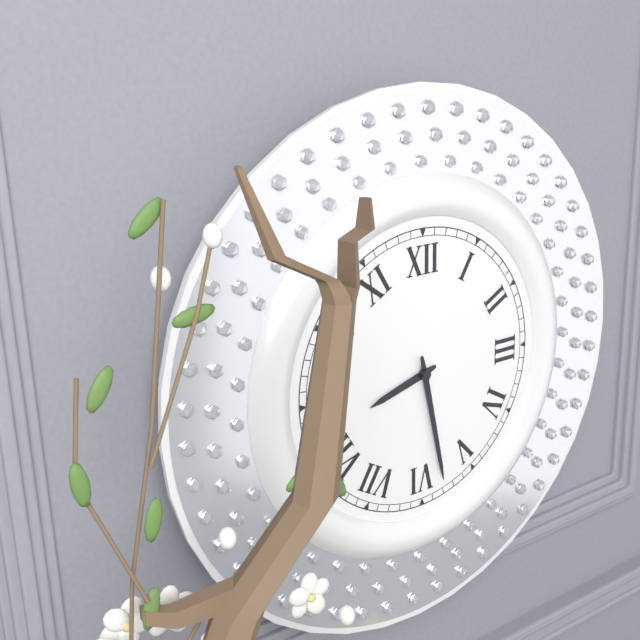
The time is 8h28
